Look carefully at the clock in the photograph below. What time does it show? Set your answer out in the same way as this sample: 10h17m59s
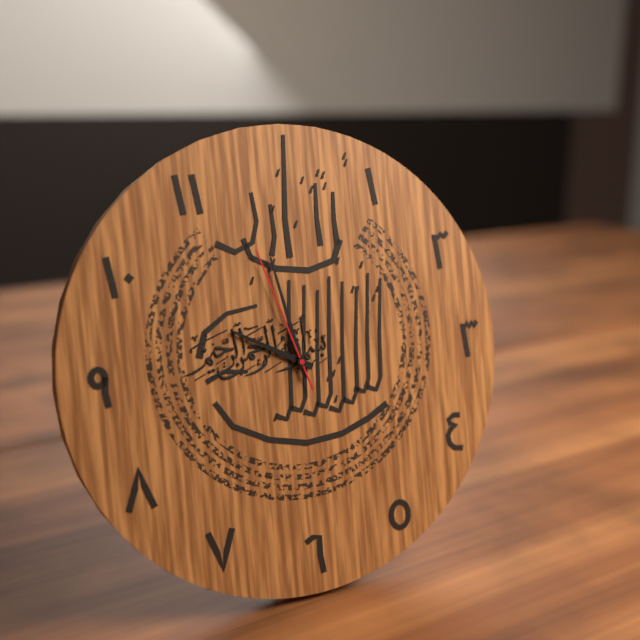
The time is 9h58m57s
